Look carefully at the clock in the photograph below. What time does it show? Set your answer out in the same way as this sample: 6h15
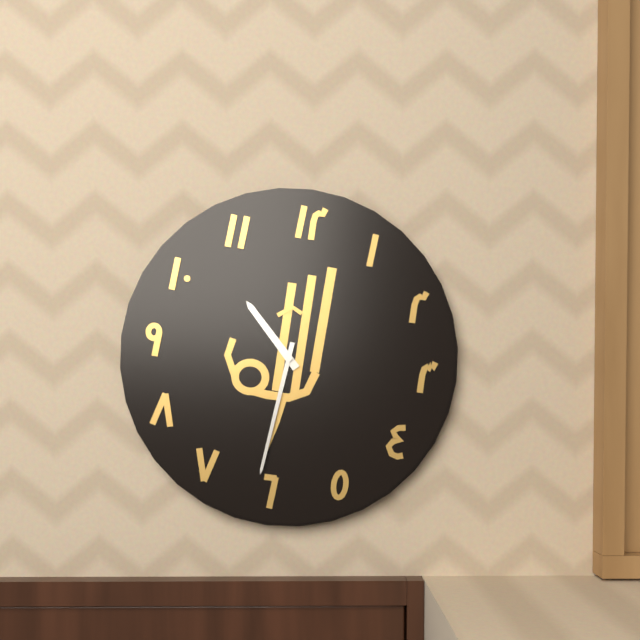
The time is 10h31
